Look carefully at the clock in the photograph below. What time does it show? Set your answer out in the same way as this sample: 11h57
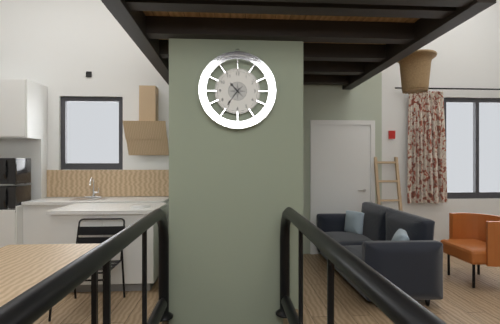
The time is 10h36
